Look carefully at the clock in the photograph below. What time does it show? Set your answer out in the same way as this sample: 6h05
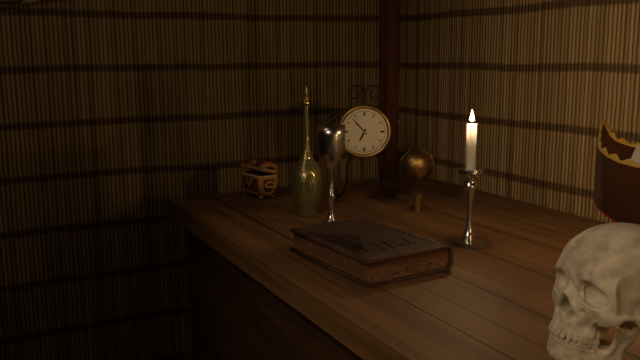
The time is 6h53
